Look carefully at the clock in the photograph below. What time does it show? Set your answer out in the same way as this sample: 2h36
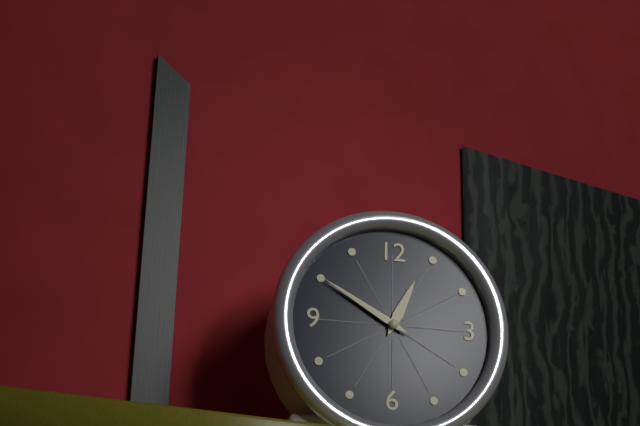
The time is 12h50
